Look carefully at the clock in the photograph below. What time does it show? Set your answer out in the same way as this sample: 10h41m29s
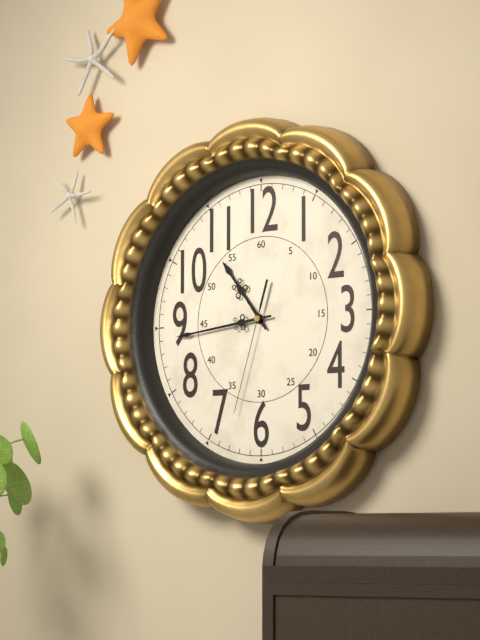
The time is 10h44m33s
